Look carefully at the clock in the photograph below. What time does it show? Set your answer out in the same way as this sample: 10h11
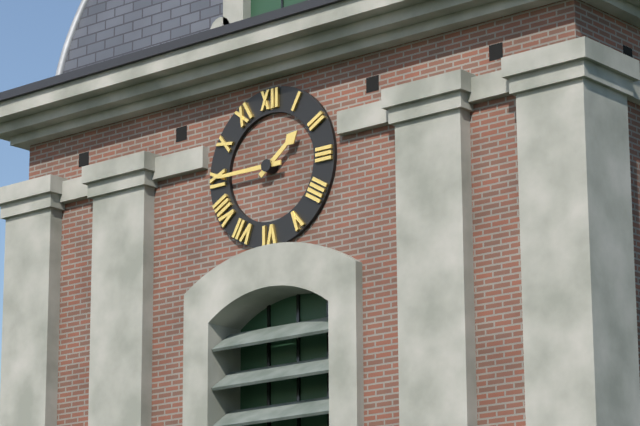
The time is 1h45
